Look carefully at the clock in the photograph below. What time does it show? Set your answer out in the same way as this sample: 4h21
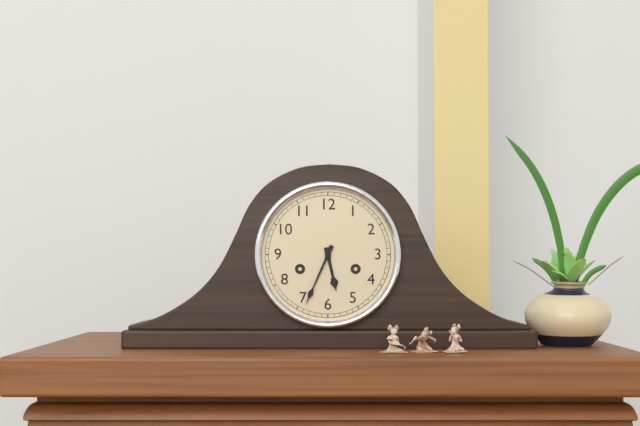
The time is 5h34
